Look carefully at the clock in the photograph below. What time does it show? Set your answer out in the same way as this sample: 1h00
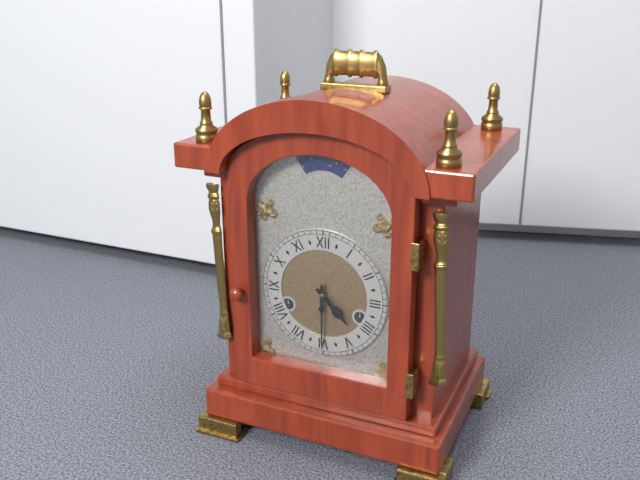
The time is 4h30
